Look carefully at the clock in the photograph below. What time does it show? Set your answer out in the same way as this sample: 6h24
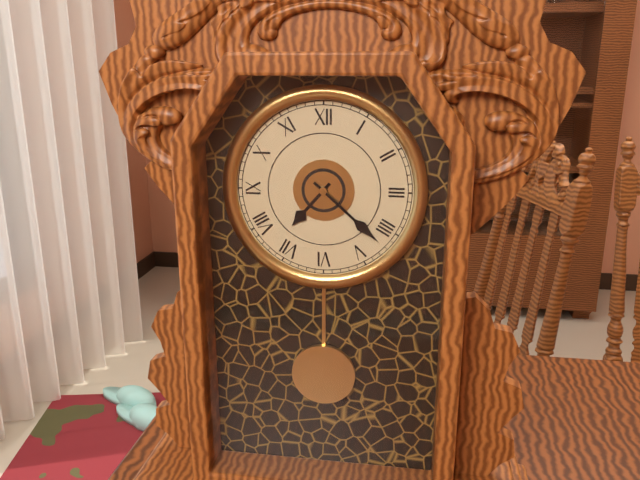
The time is 7h22
